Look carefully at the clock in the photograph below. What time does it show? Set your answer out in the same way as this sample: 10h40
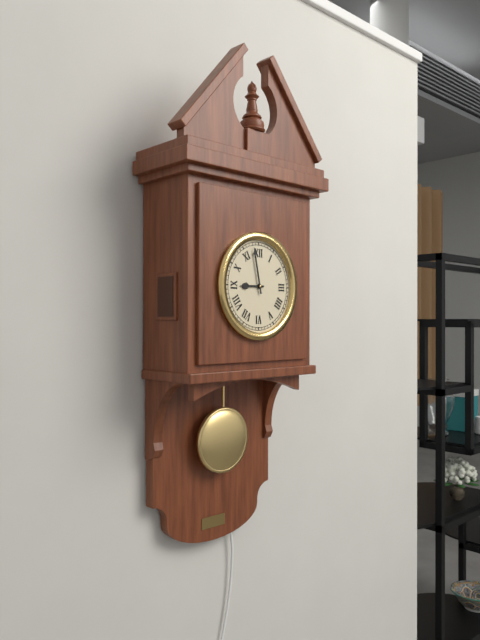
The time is 8h58
